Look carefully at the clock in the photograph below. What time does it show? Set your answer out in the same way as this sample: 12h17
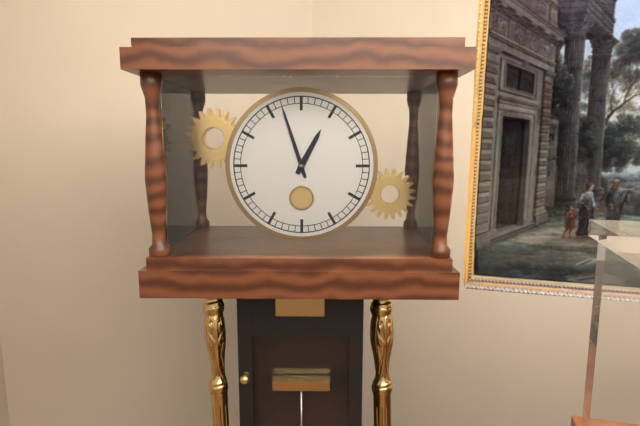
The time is 12h57
